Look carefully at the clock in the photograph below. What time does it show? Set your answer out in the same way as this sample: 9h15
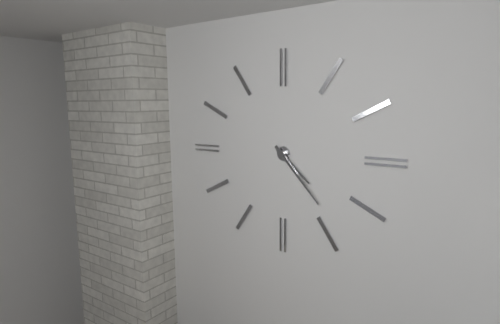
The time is 4h23
